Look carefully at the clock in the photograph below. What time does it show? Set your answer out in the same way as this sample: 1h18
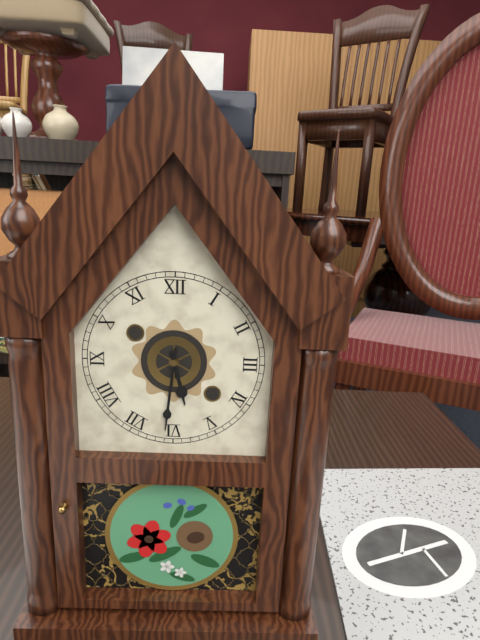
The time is 5h31
